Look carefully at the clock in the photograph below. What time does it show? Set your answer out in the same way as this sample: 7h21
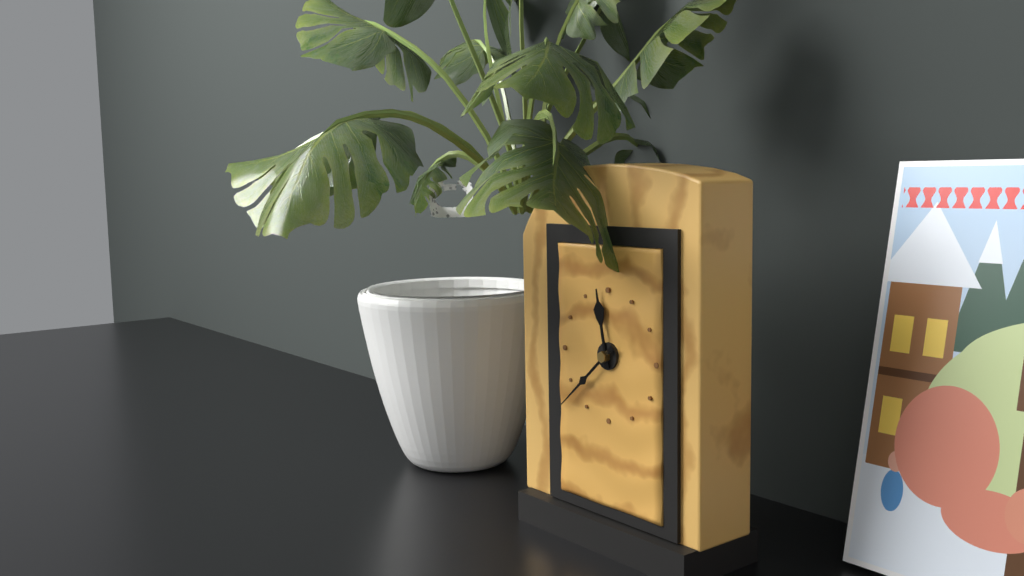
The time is 11h38
